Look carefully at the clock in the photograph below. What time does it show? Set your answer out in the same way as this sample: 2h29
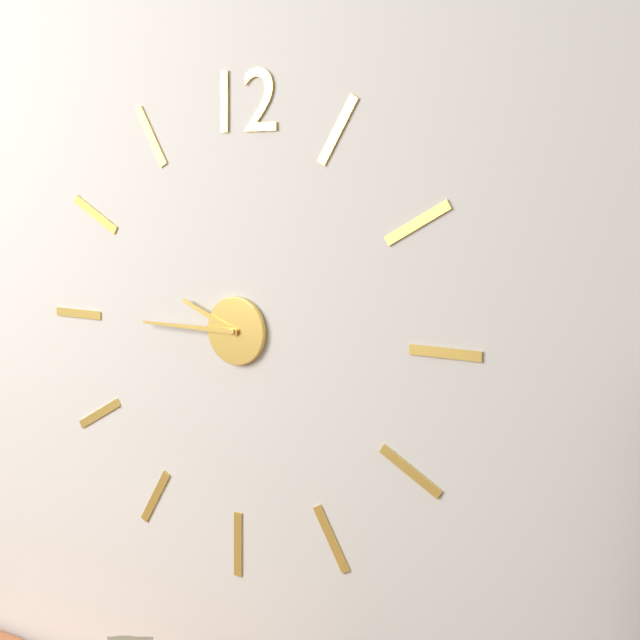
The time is 9h45
